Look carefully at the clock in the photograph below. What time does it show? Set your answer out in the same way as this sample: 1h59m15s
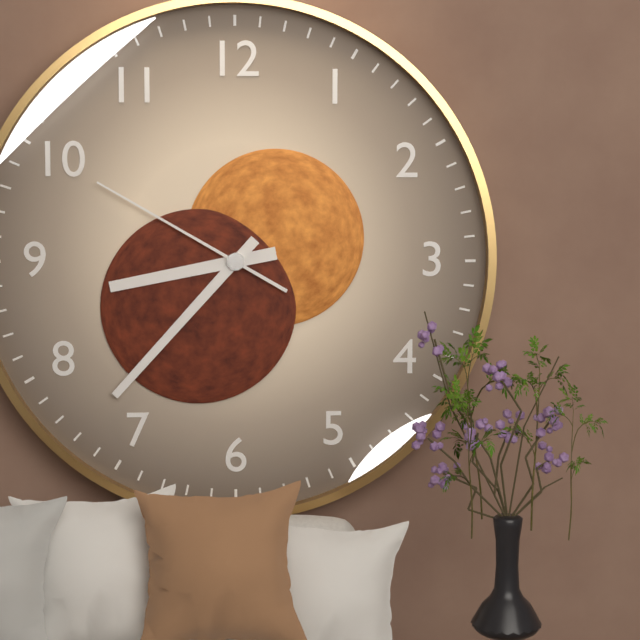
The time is 8h37m50s
